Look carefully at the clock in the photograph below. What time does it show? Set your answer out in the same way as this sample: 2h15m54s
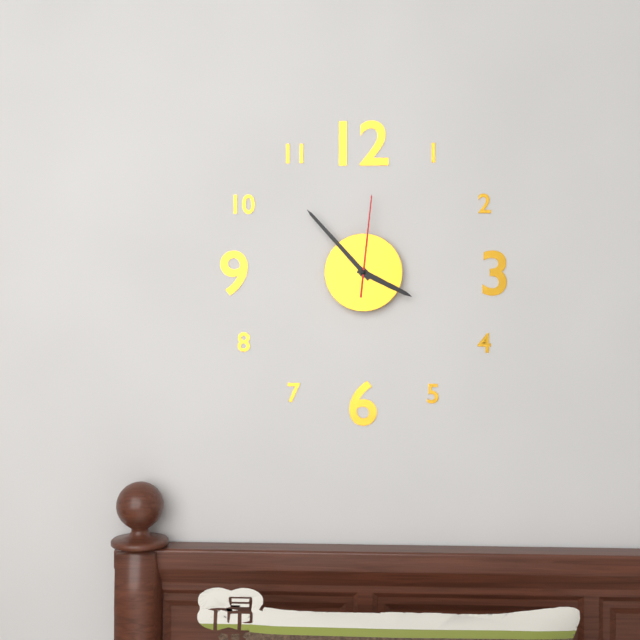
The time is 3h53m01s
